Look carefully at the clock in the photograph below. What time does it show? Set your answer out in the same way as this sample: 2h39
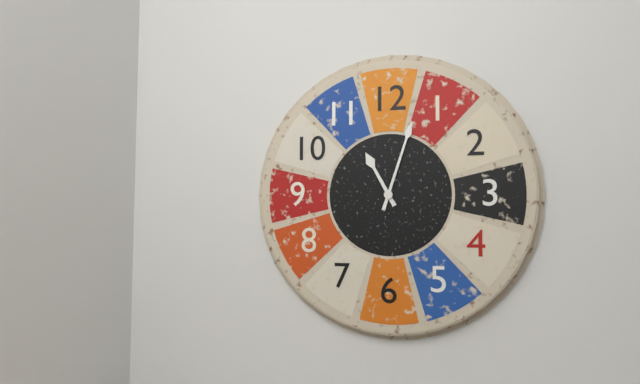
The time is 11h03
